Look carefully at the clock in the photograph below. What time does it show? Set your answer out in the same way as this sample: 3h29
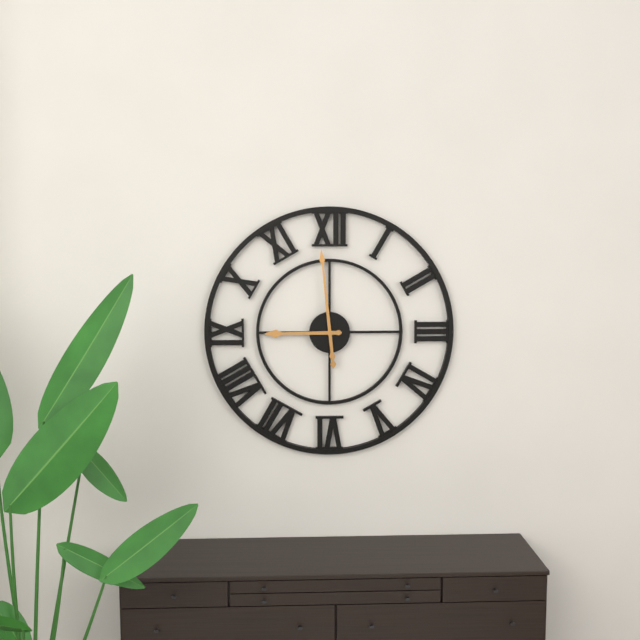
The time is 8h59
